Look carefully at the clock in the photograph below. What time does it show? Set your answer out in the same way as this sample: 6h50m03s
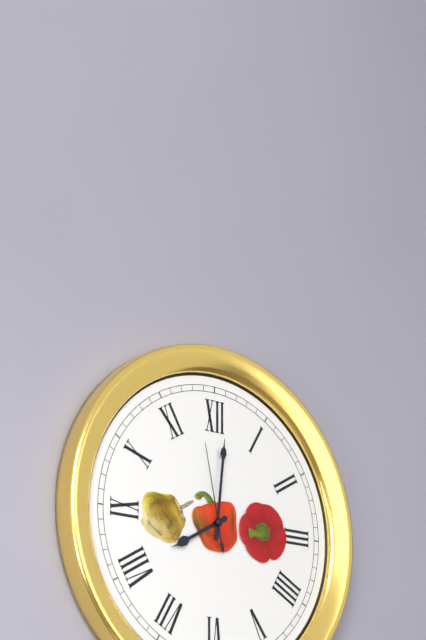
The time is 8h01m58s
